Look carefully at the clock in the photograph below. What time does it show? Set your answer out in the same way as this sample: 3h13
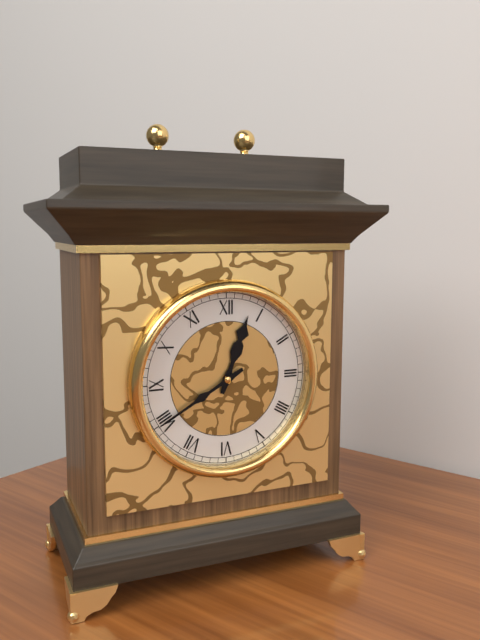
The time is 12h40
